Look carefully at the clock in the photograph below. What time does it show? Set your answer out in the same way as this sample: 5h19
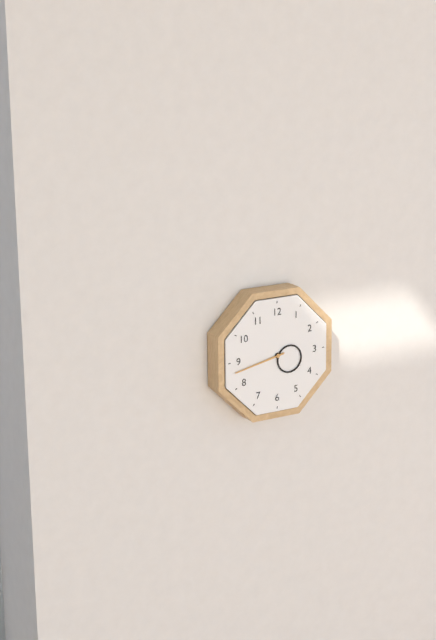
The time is 3h43
